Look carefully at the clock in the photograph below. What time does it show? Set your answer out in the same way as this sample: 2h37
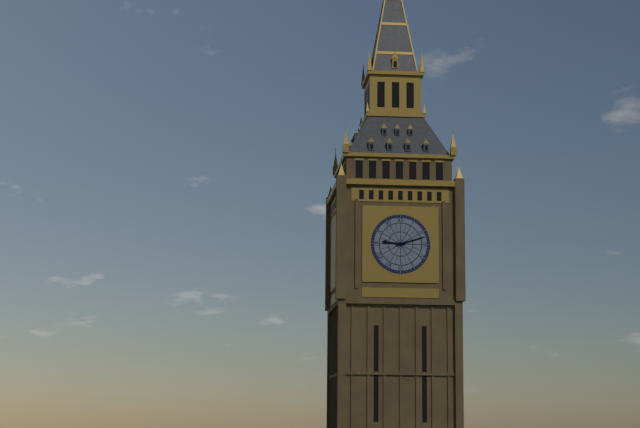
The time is 9h12
